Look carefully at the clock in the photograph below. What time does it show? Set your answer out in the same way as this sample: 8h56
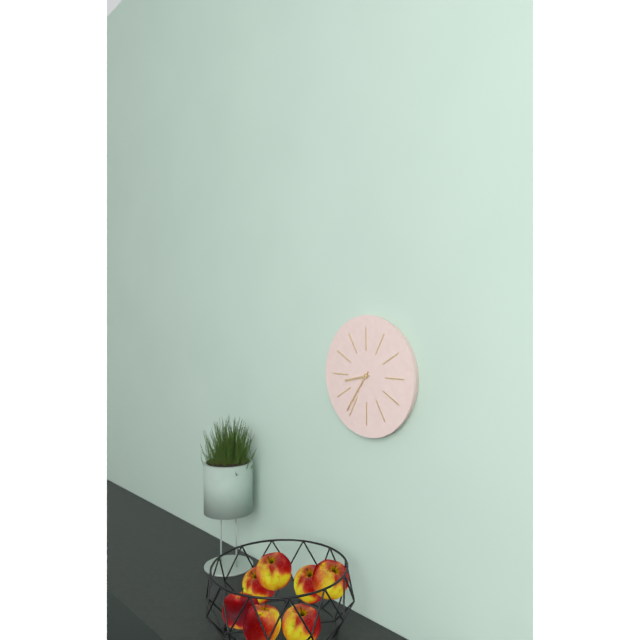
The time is 8h36
